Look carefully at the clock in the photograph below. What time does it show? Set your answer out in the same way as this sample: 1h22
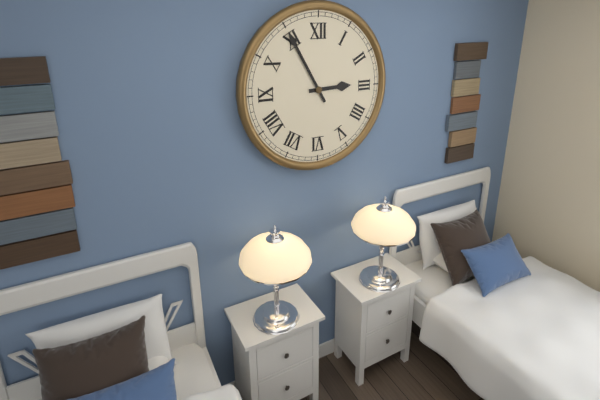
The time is 2h55
